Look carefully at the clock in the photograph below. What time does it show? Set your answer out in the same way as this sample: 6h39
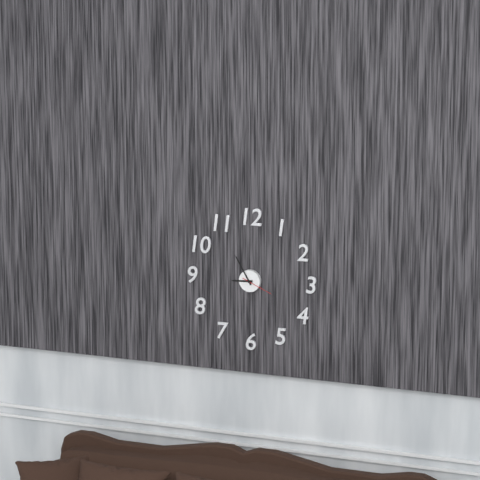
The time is 8h55
